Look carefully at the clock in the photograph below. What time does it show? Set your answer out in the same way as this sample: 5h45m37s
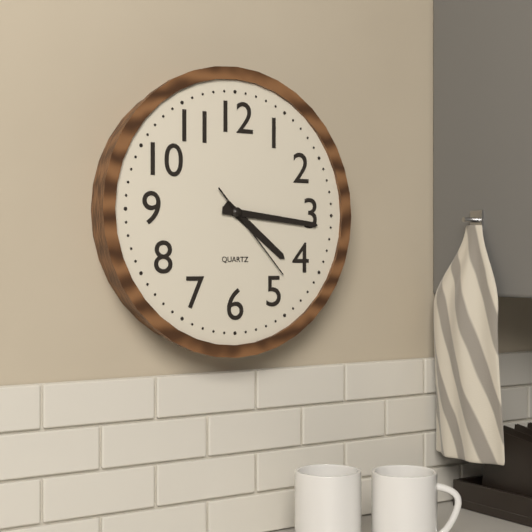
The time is 4h16m23s
